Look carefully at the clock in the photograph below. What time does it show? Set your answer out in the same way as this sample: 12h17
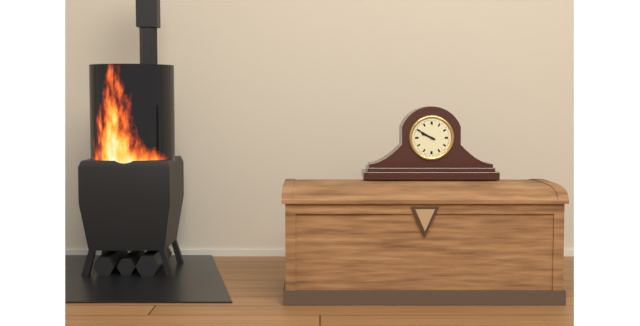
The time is 9h50
